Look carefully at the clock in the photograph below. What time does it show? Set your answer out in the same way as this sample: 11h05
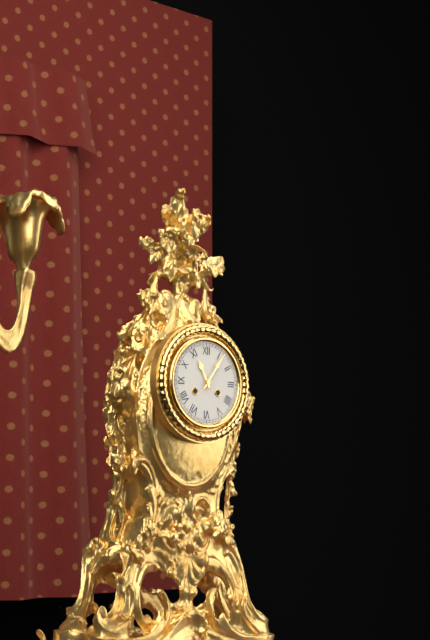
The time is 11h06
